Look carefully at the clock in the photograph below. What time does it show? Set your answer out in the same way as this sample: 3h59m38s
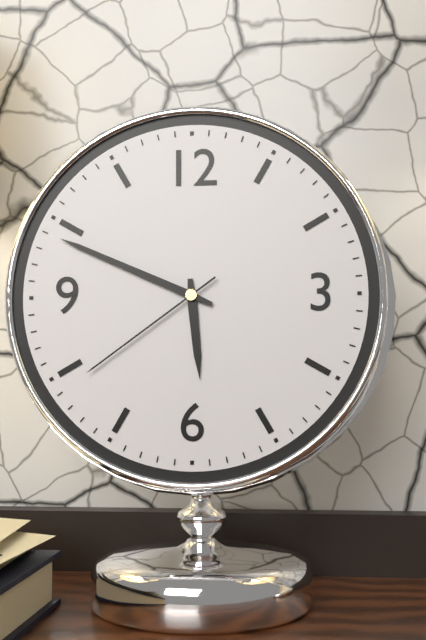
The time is 5h49m39s
